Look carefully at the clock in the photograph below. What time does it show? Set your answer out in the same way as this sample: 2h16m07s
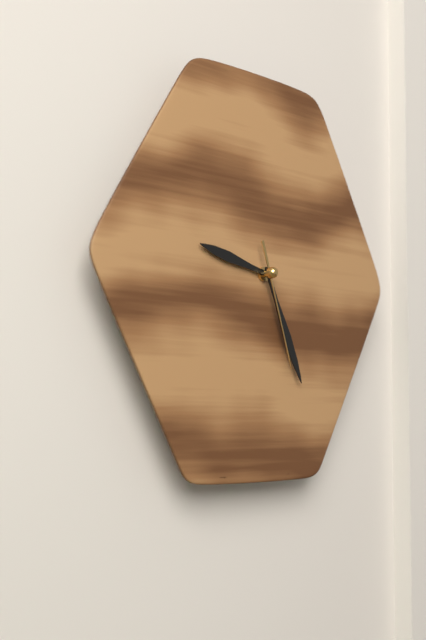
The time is 9h26m27s
